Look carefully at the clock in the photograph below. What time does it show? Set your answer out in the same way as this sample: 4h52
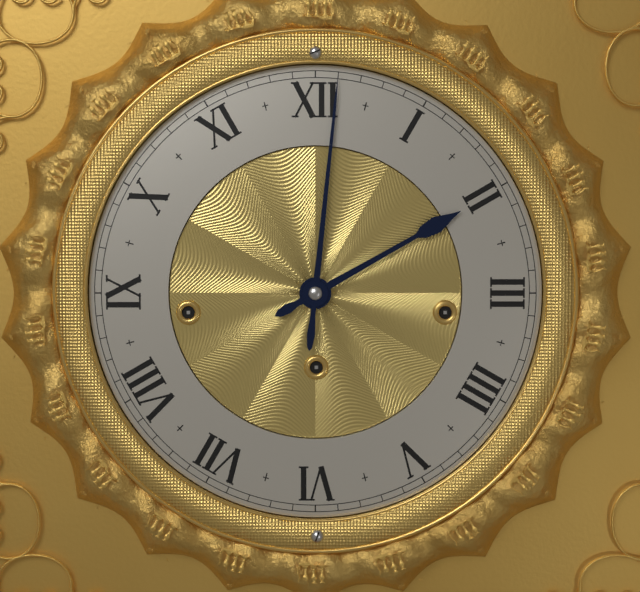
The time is 2h01
